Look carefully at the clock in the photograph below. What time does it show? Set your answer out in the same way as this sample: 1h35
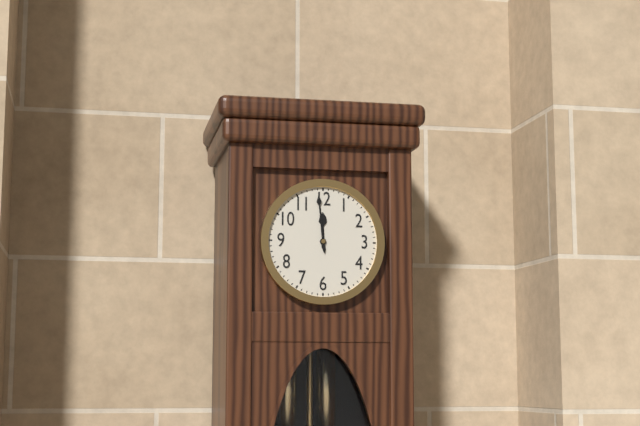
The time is 11h59
